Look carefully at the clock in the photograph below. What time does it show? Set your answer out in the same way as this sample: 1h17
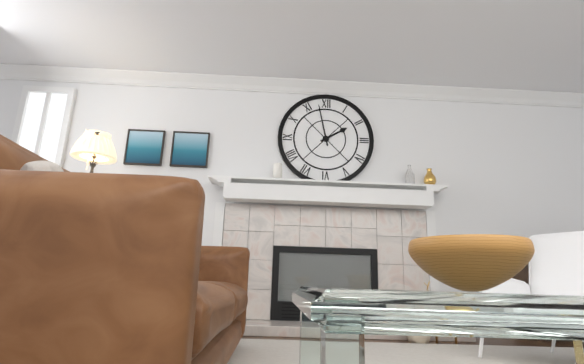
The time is 1h58
